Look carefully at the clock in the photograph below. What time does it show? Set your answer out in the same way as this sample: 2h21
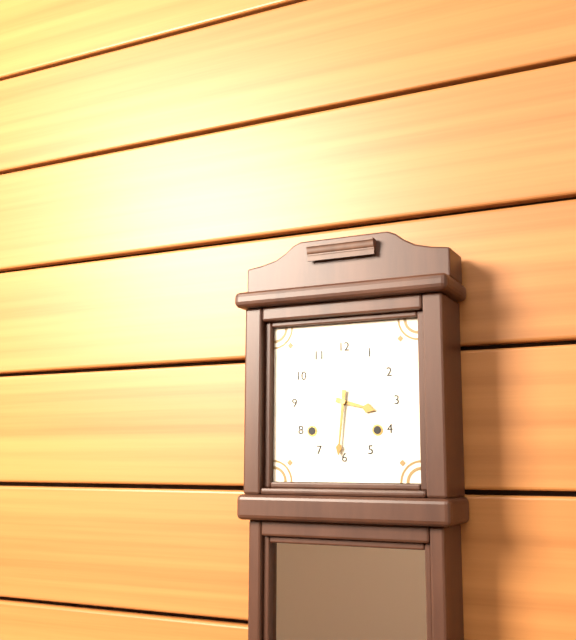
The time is 3h31
